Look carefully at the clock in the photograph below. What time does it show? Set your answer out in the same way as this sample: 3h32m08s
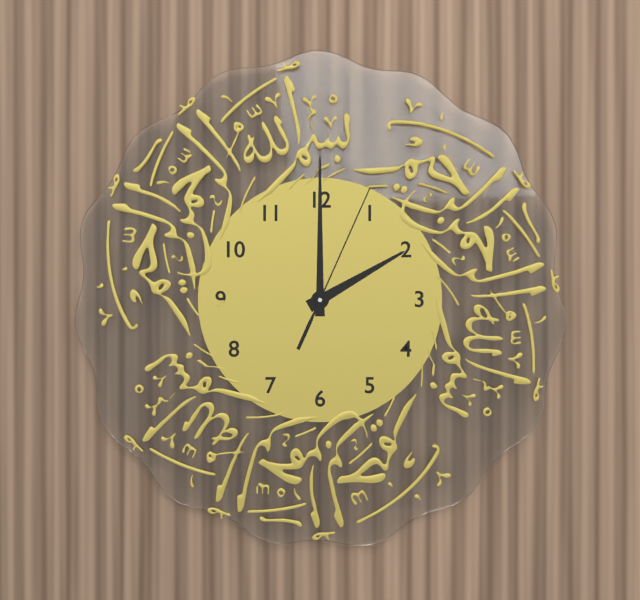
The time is 2h00m04s
